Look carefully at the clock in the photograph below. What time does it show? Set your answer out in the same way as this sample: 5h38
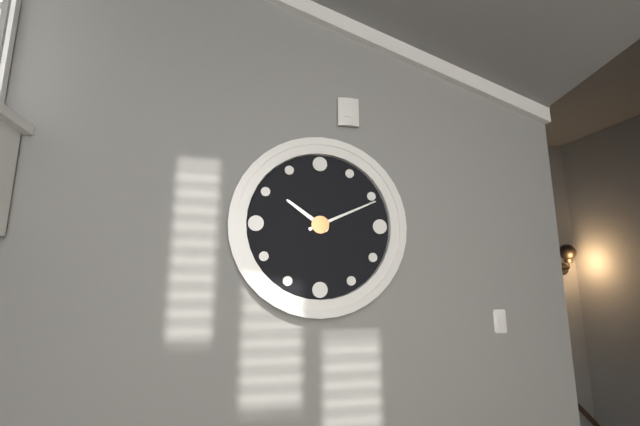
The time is 10h11
